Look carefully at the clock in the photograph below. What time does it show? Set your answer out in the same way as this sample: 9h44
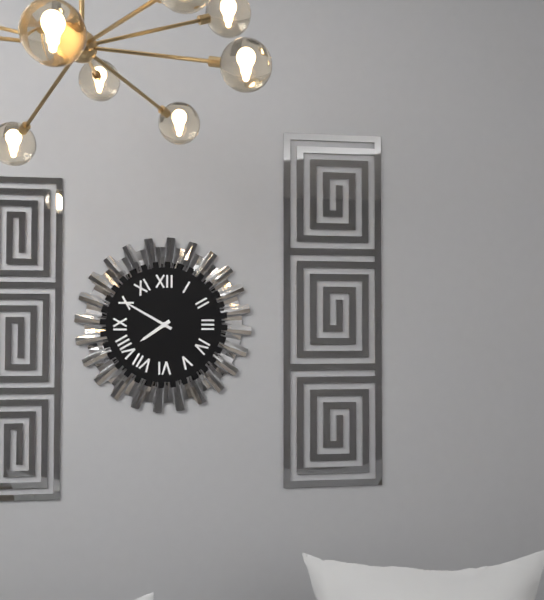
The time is 7h50
